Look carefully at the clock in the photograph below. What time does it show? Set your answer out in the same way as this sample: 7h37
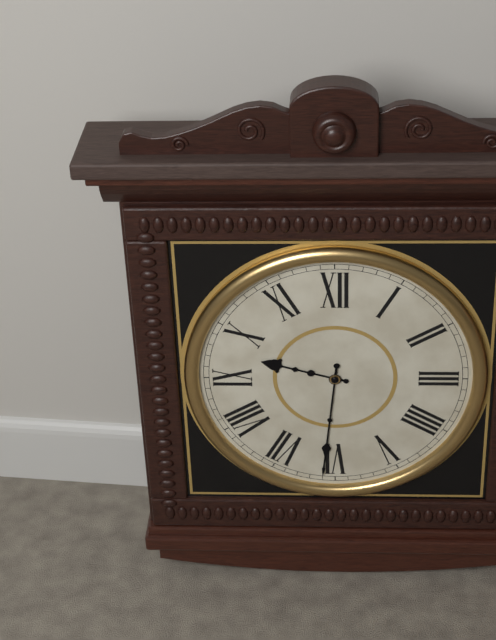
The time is 9h31
